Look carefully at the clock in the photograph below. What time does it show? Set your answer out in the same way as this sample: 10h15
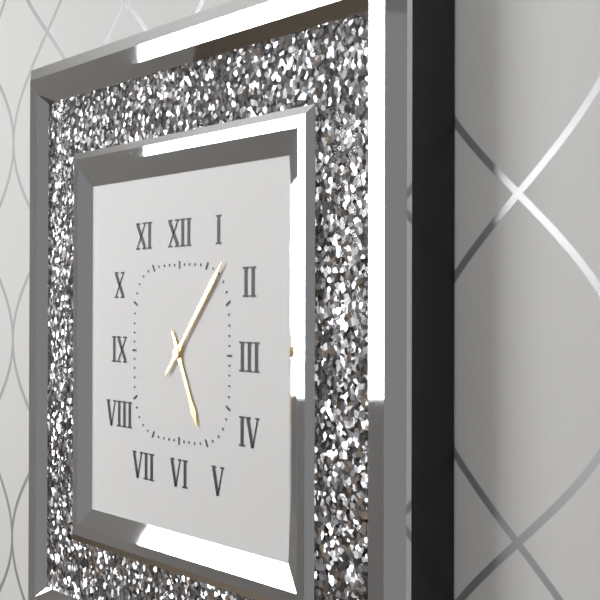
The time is 5h07
